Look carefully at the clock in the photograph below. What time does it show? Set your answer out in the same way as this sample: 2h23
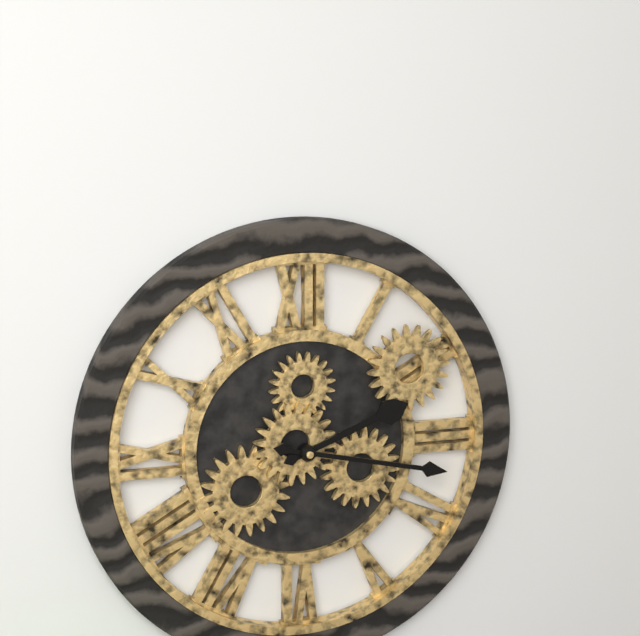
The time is 2h17
